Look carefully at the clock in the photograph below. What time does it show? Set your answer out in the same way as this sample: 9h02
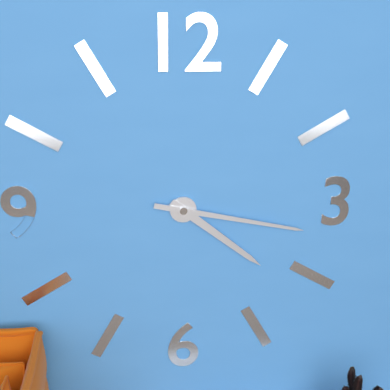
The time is 4h17
